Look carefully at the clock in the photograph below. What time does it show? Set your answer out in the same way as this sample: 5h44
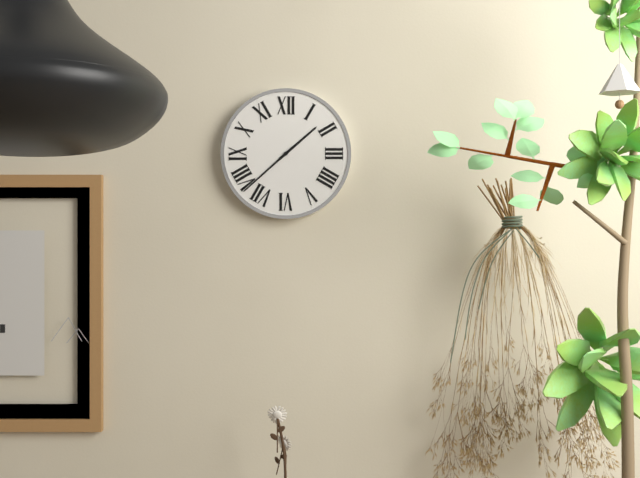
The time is 1h38
